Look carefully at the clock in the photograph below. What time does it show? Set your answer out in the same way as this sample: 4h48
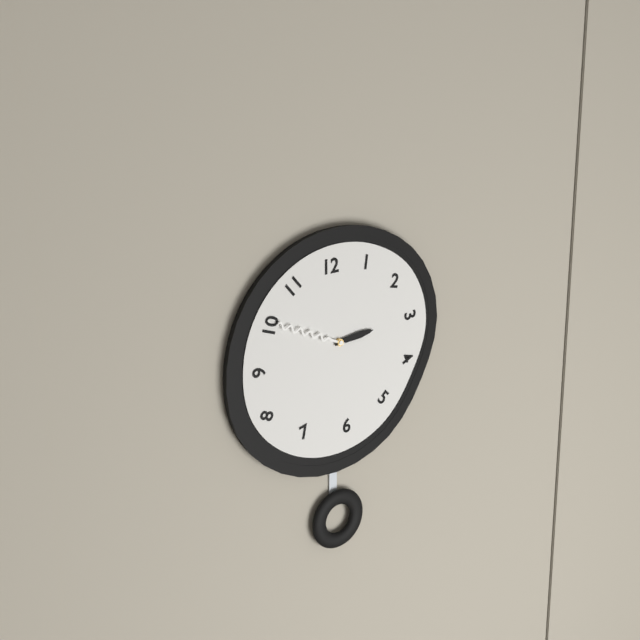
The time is 2h49
